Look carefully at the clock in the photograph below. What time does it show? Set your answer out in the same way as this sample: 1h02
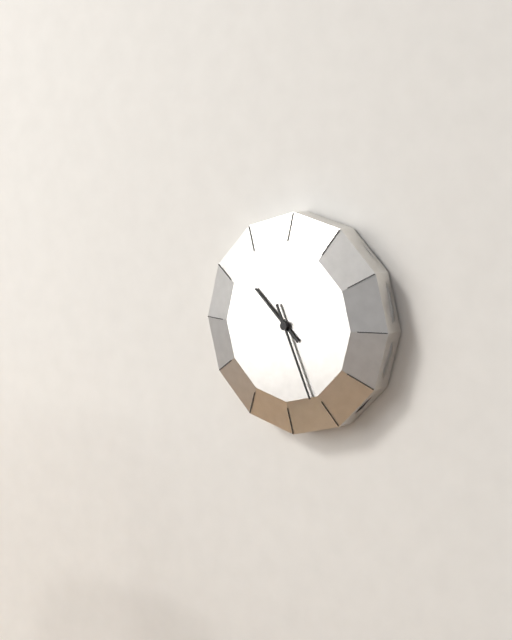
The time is 10h26
